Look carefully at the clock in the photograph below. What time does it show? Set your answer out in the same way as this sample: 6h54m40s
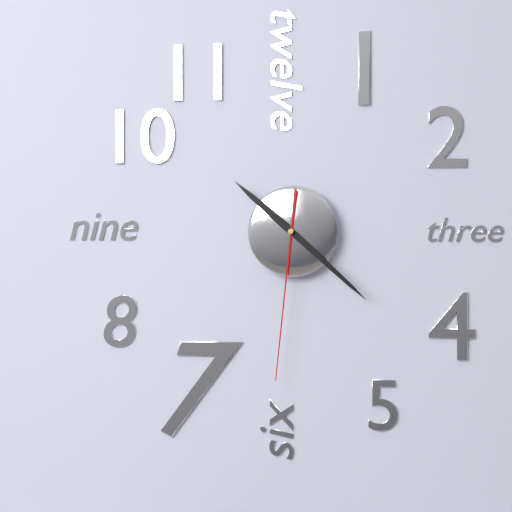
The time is 10h22m31s
